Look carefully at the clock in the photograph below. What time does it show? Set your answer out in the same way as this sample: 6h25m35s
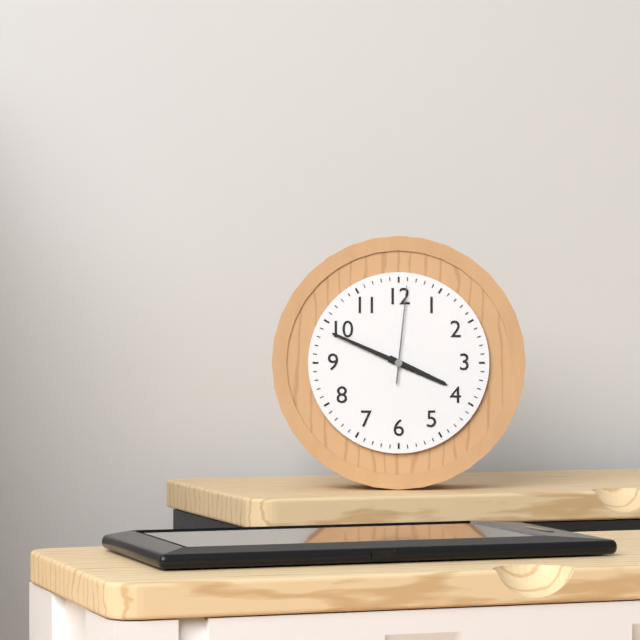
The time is 3h49m01s
